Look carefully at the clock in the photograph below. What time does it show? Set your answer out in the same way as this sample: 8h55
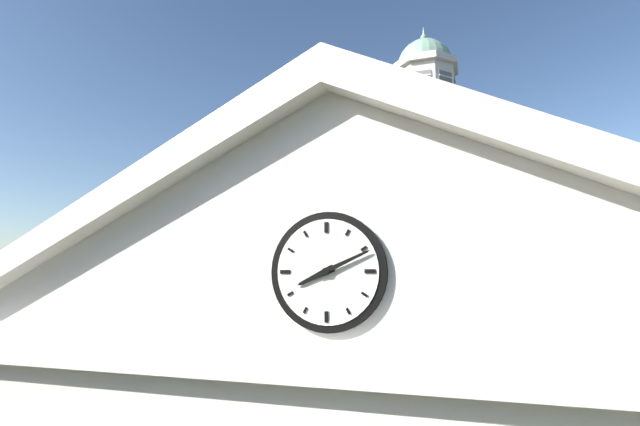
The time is 8h11
